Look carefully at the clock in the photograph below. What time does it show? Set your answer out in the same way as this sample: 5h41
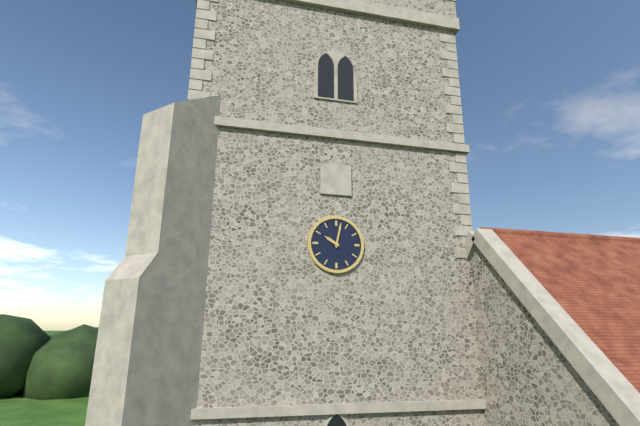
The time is 10h02
